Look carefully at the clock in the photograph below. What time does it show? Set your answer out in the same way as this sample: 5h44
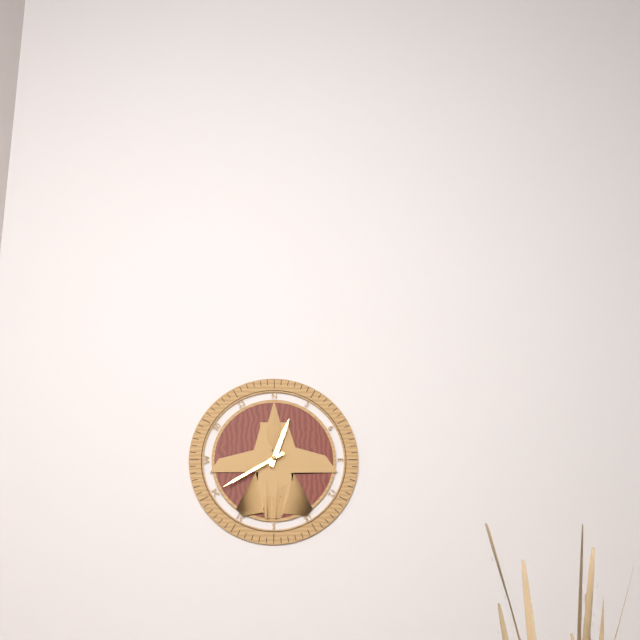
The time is 12h40
